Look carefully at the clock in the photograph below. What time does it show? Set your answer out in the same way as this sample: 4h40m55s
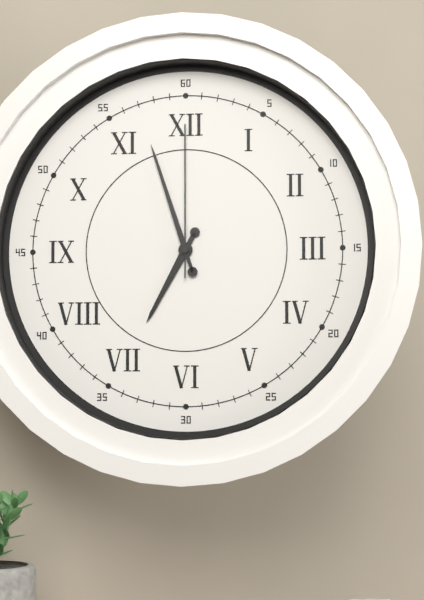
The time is 6h57m00s
